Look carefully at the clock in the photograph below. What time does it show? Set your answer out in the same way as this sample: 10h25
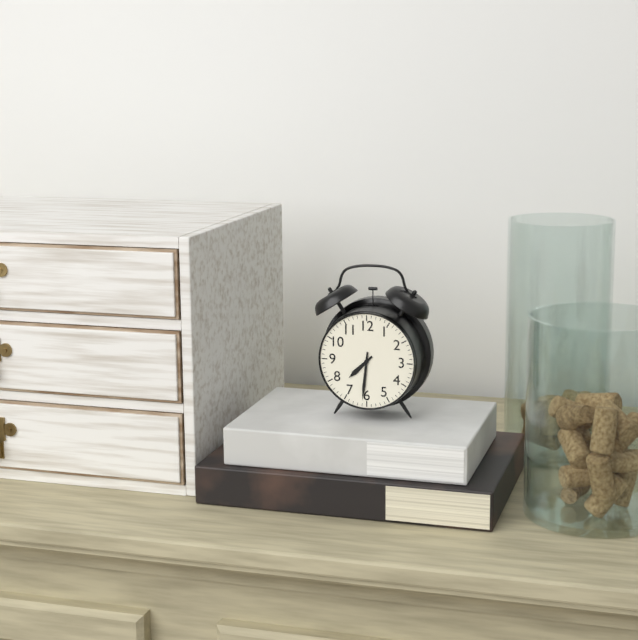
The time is 7h31
